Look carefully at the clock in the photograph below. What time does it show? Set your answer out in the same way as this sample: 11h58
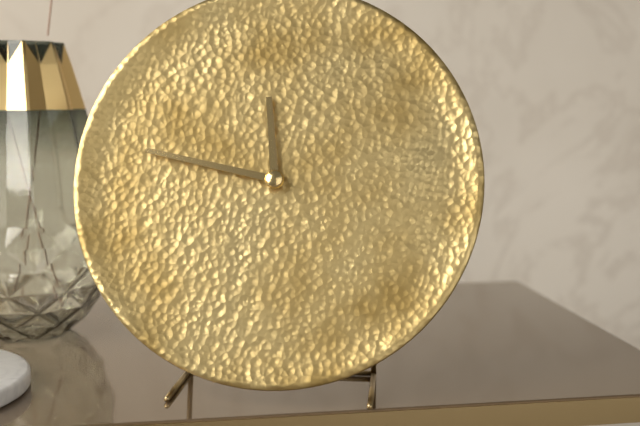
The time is 11h47
